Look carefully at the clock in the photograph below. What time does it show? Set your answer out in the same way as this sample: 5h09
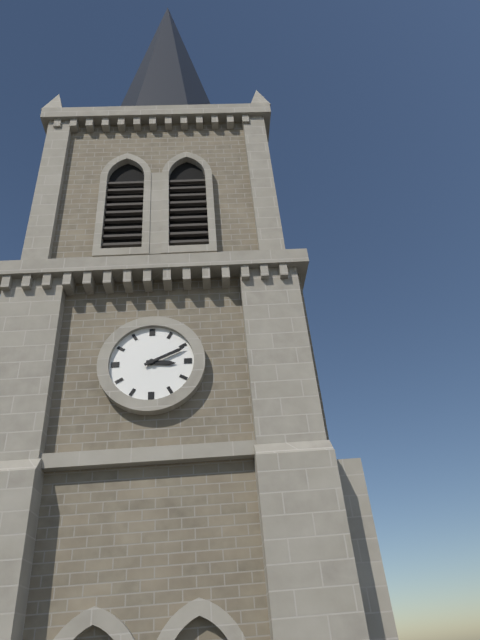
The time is 3h11
